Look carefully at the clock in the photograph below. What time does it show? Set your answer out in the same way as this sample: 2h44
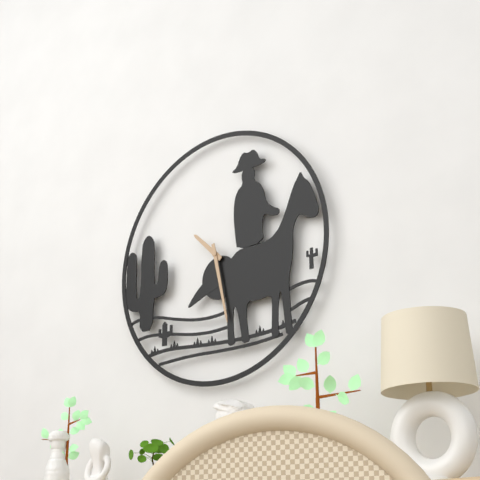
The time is 10h28
